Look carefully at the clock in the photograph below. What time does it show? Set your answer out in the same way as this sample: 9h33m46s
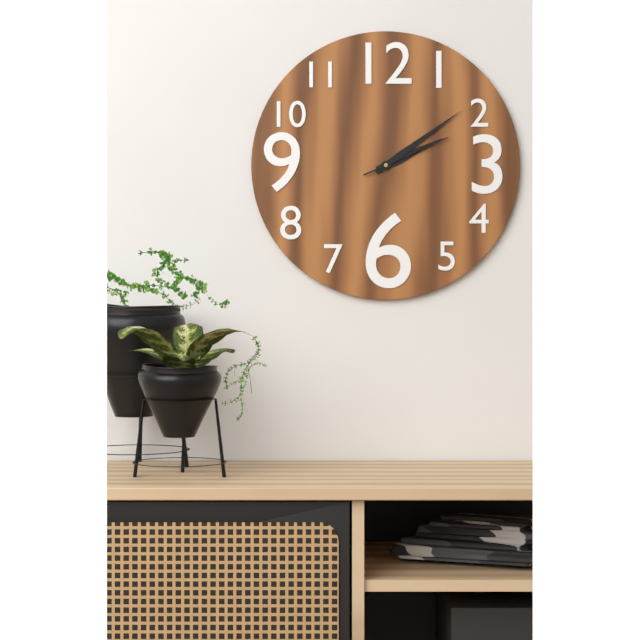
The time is 2h09m11s
